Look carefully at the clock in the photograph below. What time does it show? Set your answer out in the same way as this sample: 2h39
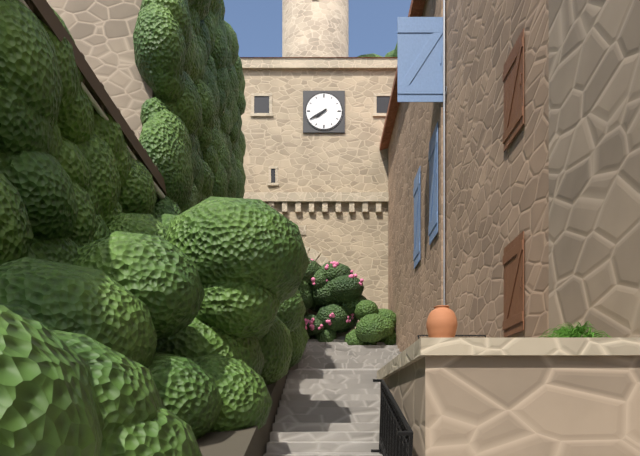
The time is 7h40
